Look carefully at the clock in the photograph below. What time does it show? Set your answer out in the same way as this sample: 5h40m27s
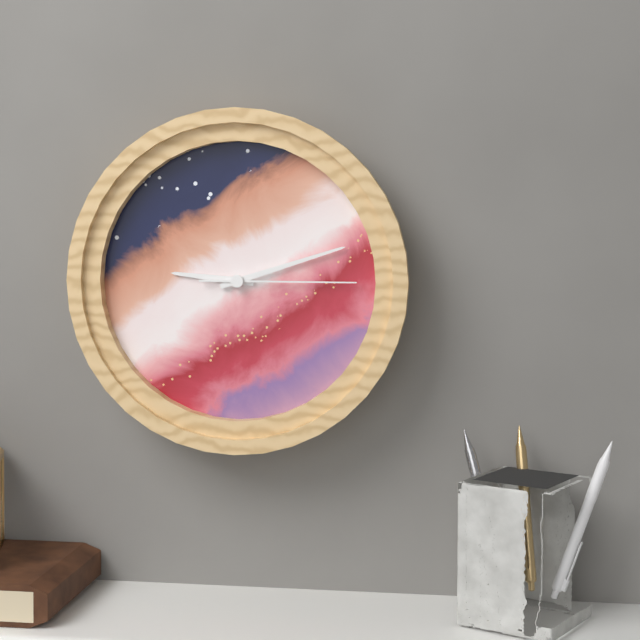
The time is 9h12m15s
